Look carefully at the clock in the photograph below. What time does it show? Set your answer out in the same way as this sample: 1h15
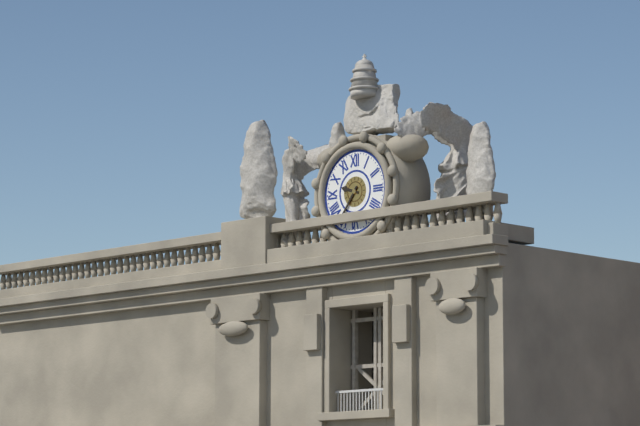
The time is 9h36
